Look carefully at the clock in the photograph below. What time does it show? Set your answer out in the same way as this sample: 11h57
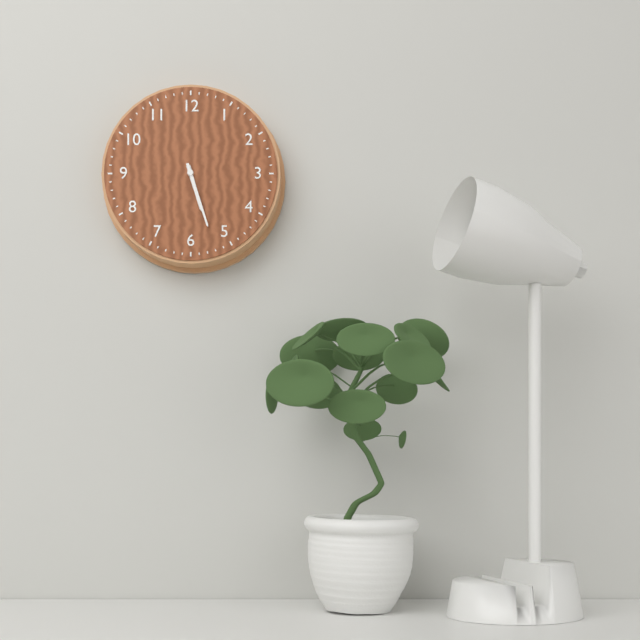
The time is 5h27
